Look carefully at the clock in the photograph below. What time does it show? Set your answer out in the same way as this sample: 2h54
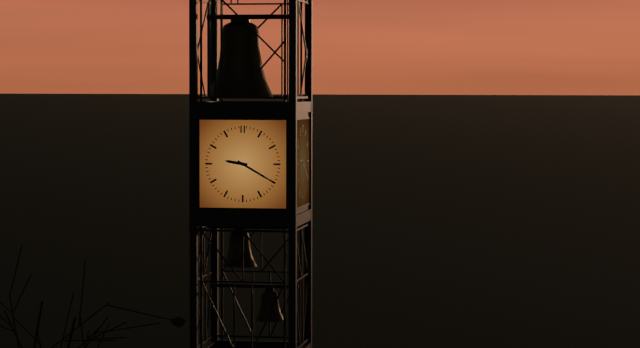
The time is 9h20
